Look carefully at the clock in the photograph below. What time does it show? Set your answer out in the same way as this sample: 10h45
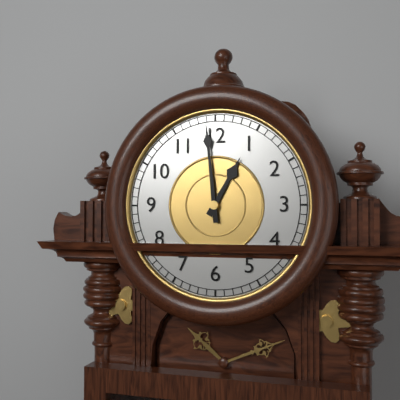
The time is 12h59
